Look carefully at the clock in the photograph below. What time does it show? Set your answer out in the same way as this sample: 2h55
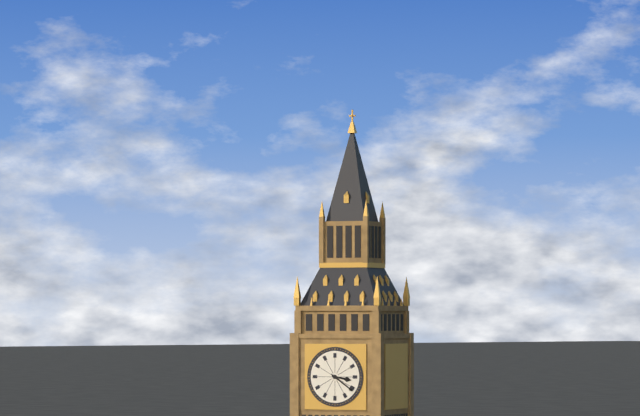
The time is 3h21
